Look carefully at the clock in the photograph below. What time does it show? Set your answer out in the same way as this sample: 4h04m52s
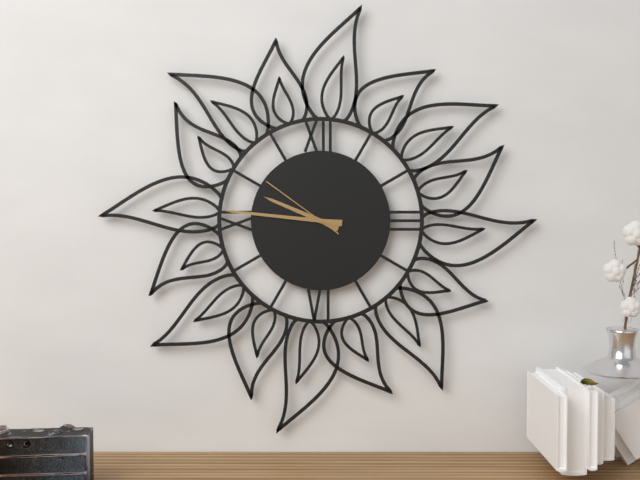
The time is 9h46m51s
